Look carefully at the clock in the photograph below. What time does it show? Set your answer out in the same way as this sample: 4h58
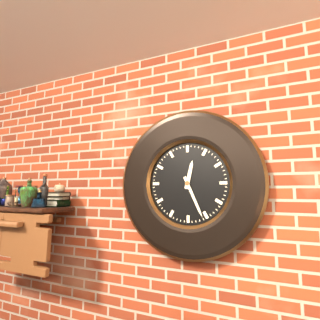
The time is 12h26
